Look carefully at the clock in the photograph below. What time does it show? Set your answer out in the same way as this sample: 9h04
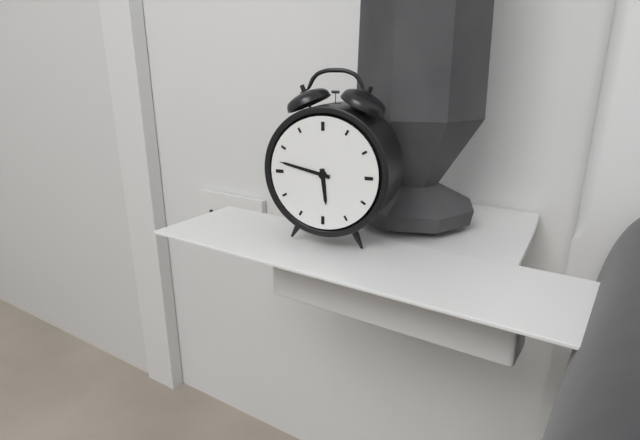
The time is 5h47
